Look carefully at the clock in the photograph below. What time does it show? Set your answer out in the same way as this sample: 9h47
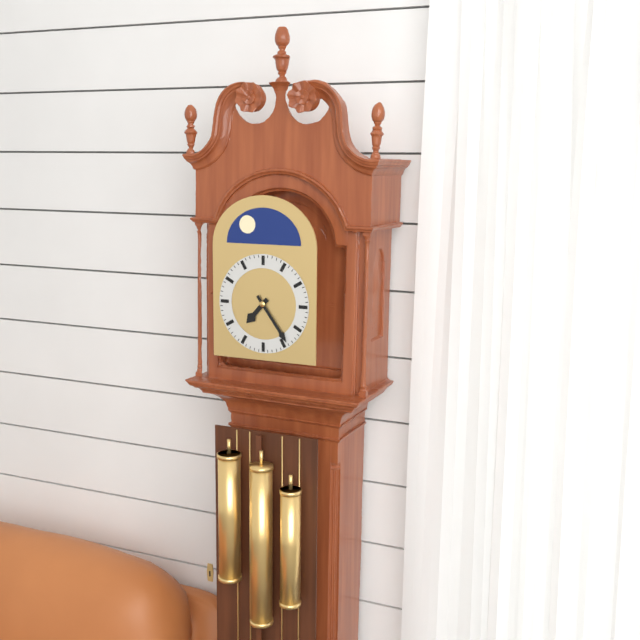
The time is 7h24
